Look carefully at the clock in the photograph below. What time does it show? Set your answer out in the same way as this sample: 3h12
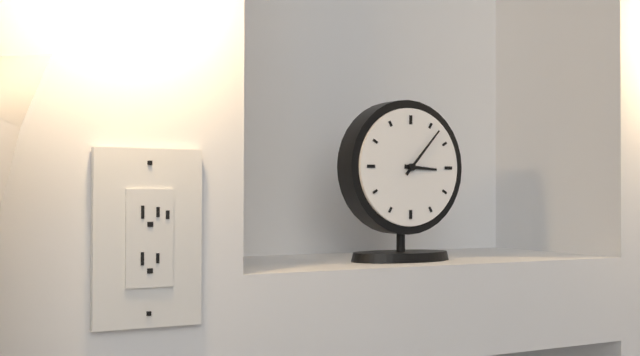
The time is 3h07
